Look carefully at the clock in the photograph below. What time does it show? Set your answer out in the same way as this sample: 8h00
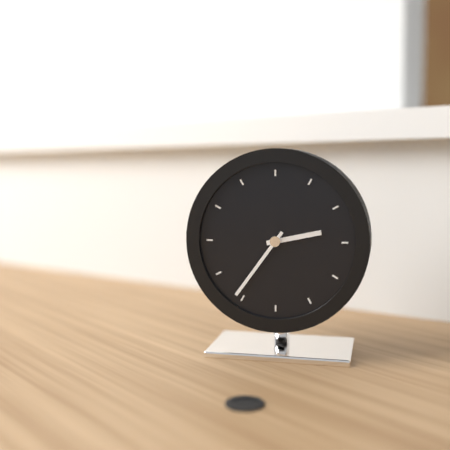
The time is 2h36
